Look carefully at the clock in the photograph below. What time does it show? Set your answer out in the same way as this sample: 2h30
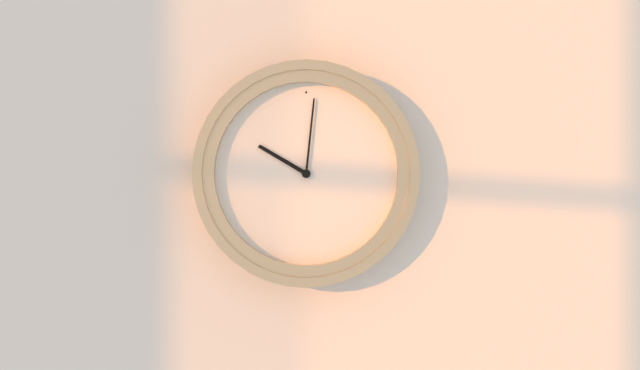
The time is 10h01
